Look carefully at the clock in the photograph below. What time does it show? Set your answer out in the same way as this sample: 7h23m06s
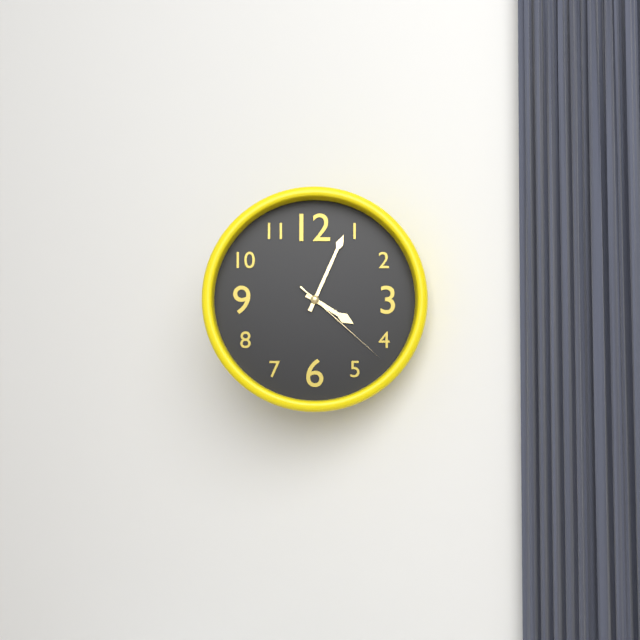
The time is 4h04m22s
